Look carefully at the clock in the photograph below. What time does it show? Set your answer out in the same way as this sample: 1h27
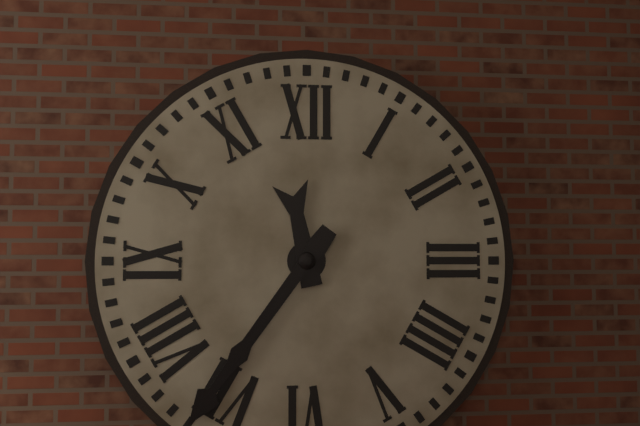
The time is 11h36
